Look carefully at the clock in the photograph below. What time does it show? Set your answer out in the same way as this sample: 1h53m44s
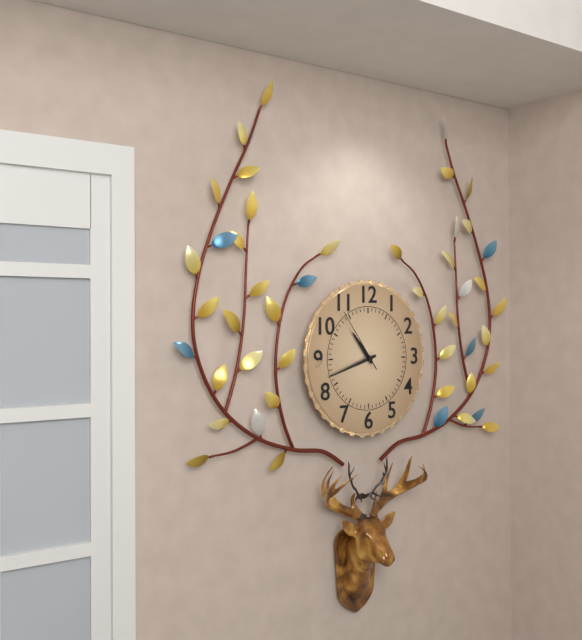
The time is 10h42m54s
